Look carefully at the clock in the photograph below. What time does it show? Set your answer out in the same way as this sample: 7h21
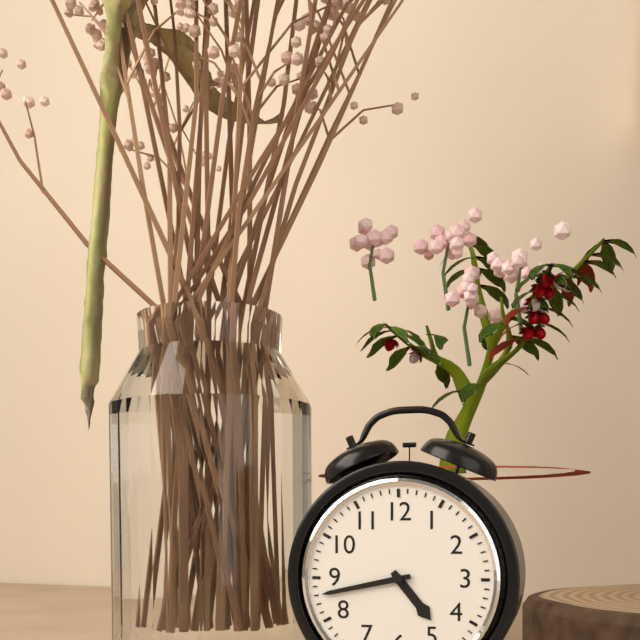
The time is 4h43
